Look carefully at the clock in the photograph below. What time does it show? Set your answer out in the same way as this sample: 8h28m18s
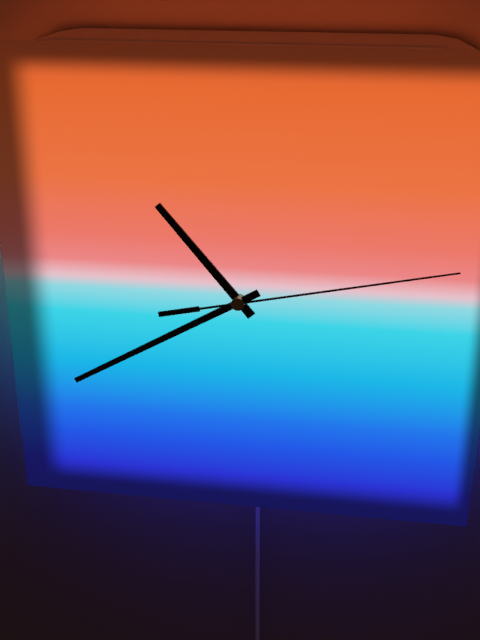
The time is 10h40m13s
